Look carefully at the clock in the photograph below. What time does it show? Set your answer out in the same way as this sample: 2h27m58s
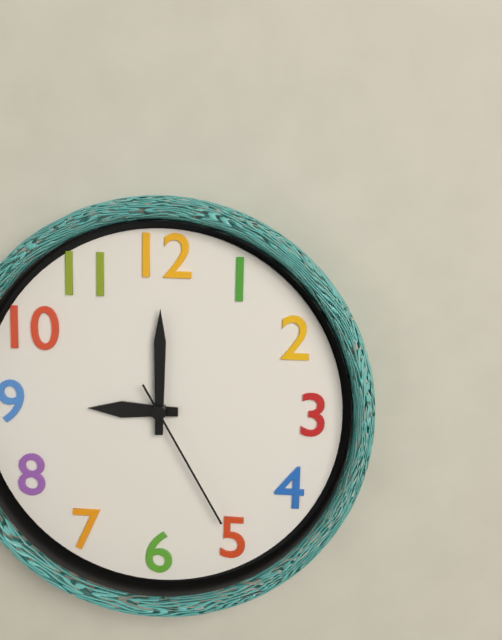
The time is 9h00m25s
